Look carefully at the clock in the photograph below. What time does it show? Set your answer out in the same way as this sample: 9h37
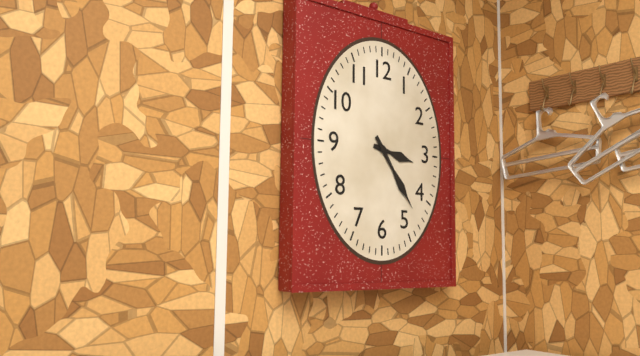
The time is 3h24
